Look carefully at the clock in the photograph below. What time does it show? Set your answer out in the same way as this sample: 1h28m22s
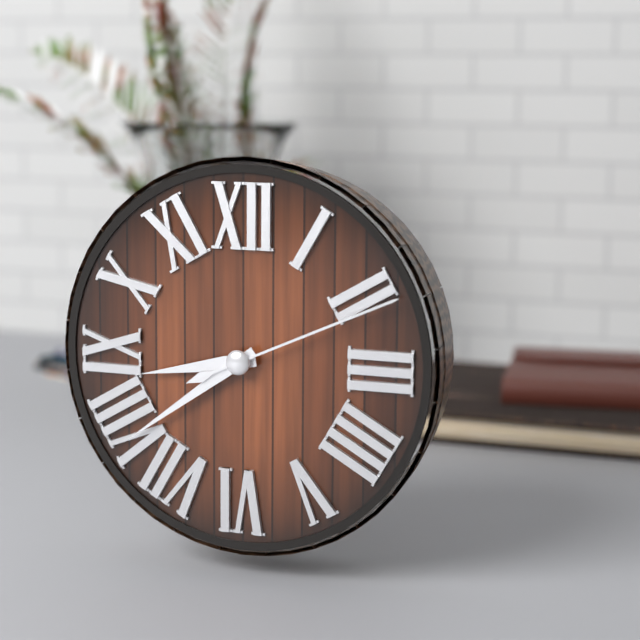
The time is 8h39m11s
